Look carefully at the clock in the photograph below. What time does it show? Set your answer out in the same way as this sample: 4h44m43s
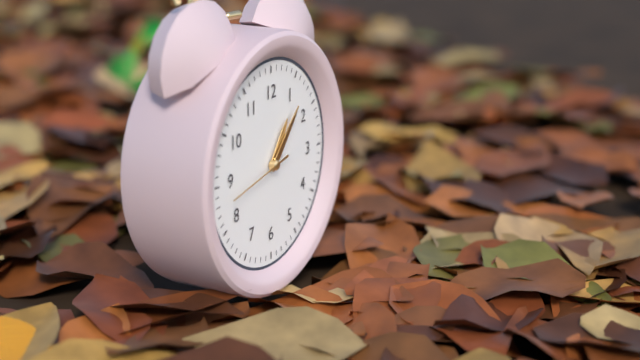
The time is 1h07m43s
